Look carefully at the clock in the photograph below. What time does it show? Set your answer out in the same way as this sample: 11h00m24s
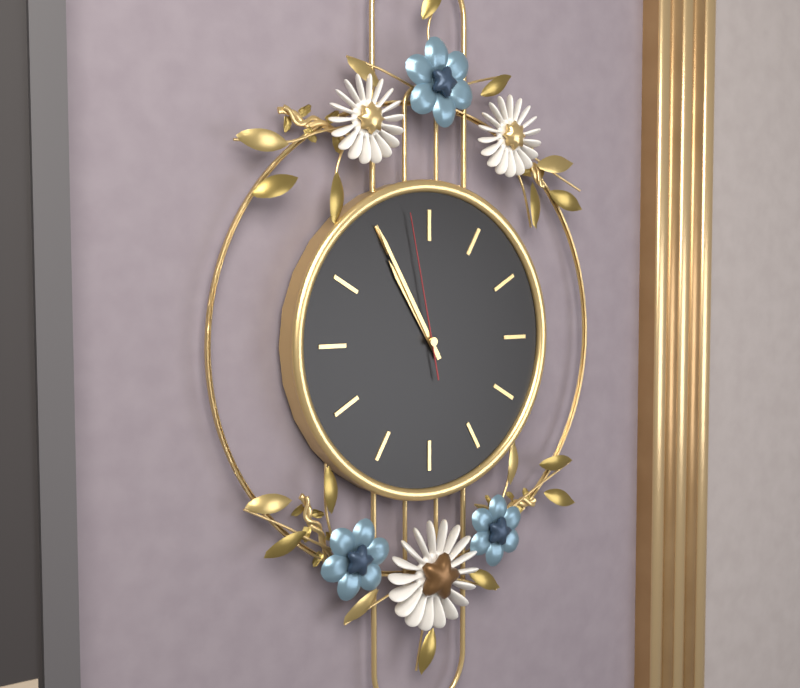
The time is 10h55m58s
